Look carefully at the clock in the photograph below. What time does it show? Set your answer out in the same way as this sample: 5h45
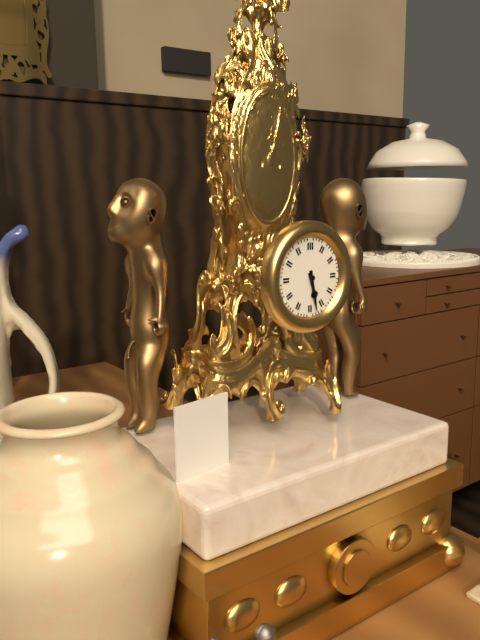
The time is 5h28
